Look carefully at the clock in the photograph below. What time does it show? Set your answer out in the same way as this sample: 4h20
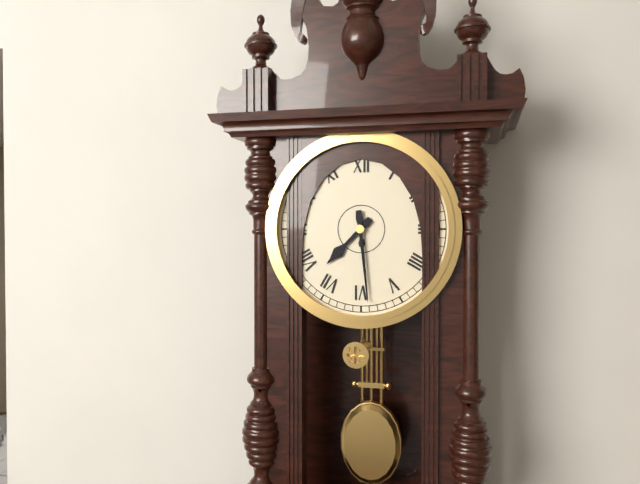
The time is 7h29
